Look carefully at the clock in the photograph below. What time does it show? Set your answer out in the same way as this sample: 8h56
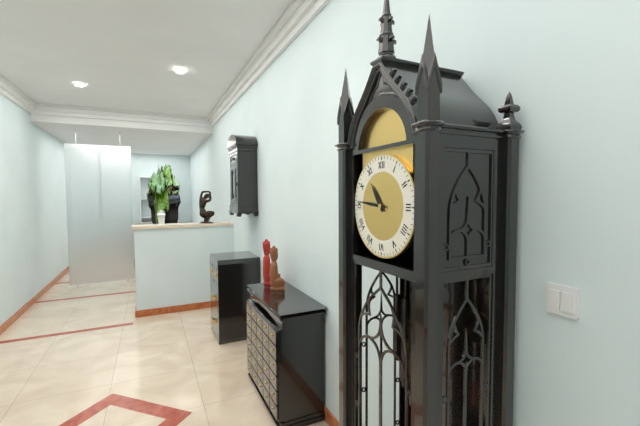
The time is 10h46
